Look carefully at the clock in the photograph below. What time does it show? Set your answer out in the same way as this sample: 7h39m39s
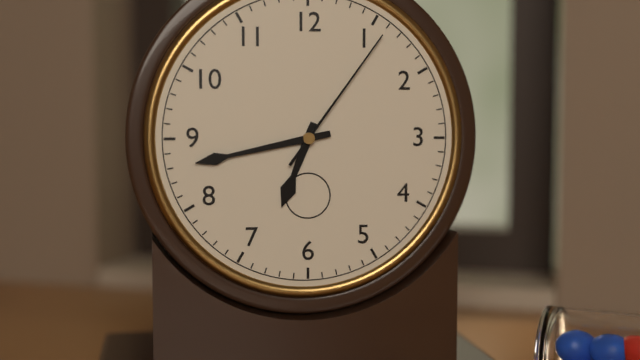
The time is 6h43m06s
